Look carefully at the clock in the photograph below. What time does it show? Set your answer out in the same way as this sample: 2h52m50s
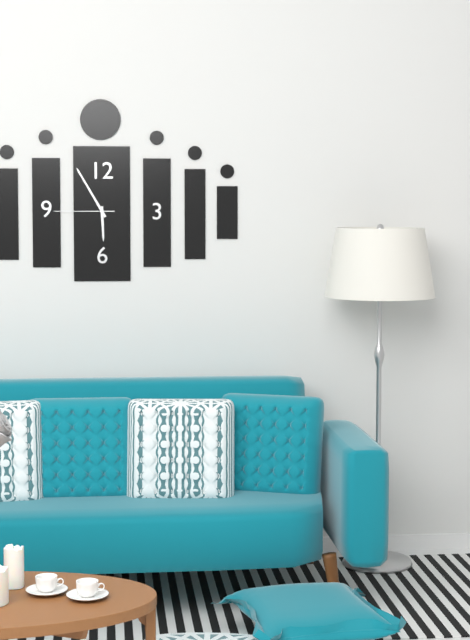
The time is 5h55m45s
